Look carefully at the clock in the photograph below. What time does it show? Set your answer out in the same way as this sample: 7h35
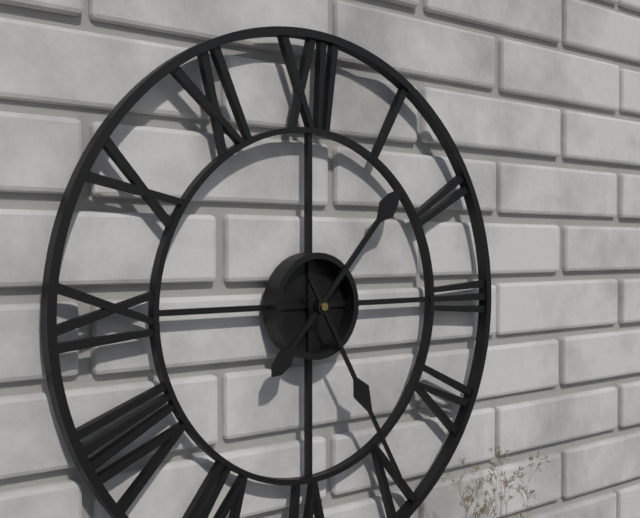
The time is 1h25
